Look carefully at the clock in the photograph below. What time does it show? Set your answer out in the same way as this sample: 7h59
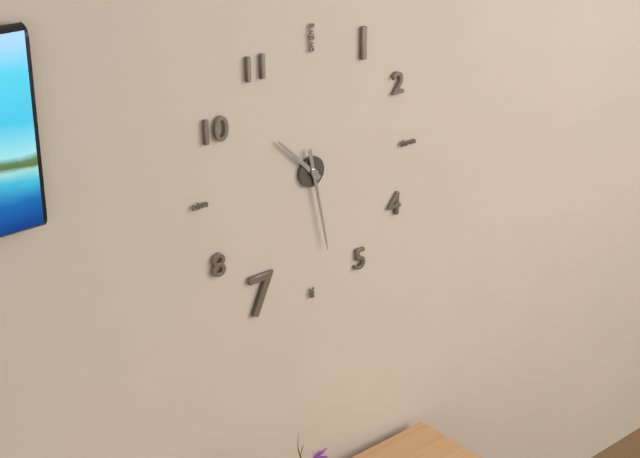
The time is 10h28
